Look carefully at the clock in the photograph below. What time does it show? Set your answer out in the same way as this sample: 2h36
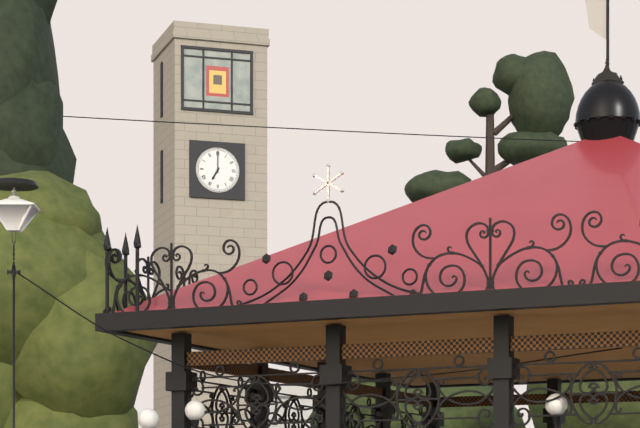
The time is 7h00
